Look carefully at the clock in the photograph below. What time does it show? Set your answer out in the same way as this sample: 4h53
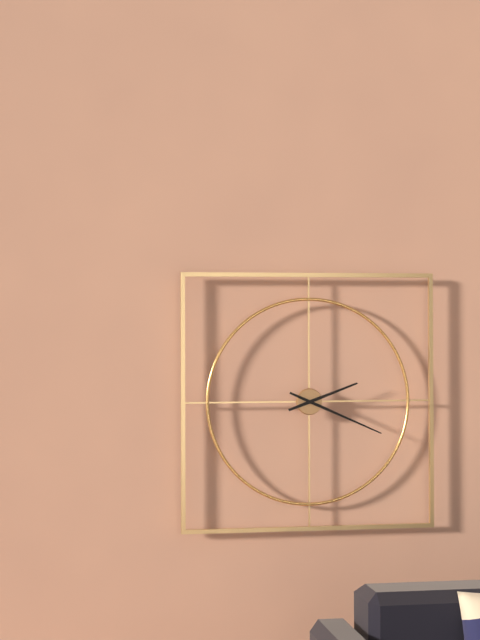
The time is 2h19
